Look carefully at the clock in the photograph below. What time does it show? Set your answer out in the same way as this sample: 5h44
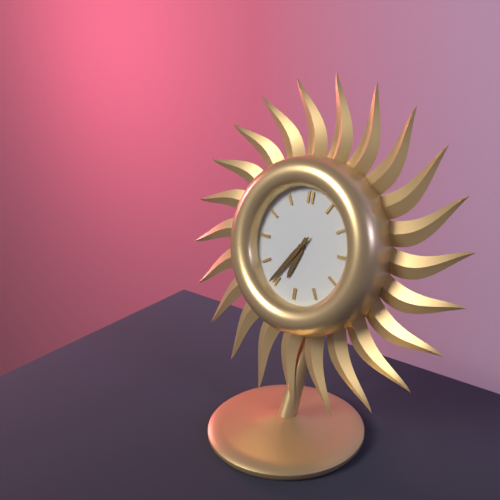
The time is 6h36
